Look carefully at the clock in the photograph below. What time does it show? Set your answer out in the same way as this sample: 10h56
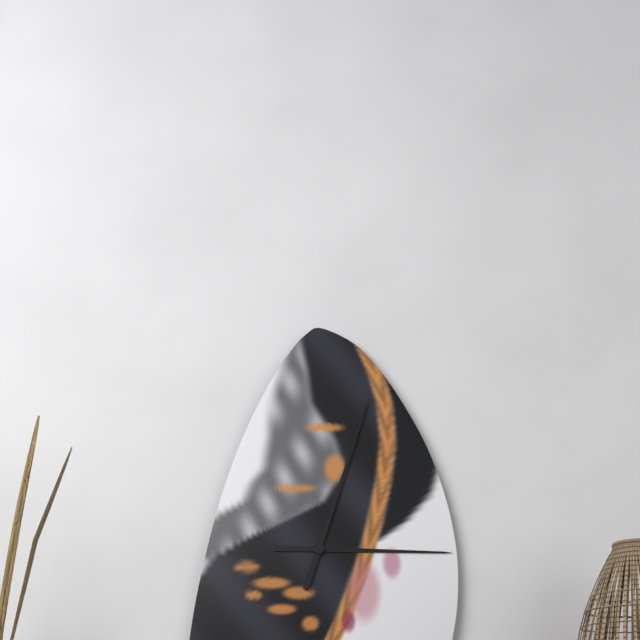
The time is 3h03
